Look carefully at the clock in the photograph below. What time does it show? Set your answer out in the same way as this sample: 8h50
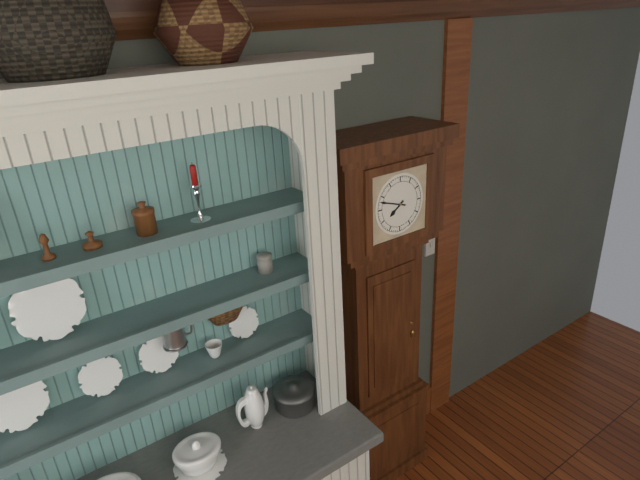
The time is 7h48
